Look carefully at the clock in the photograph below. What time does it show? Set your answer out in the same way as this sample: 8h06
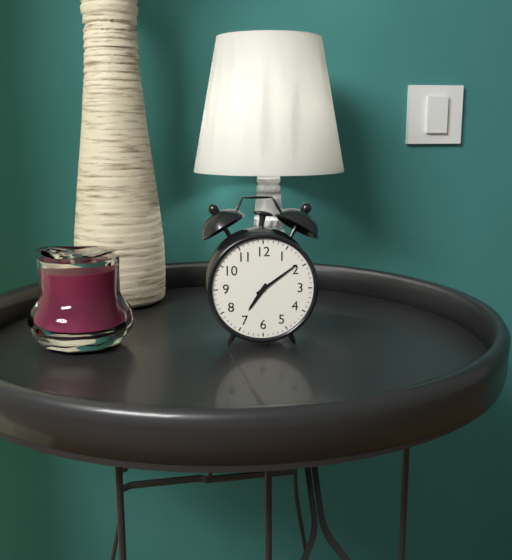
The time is 7h09
